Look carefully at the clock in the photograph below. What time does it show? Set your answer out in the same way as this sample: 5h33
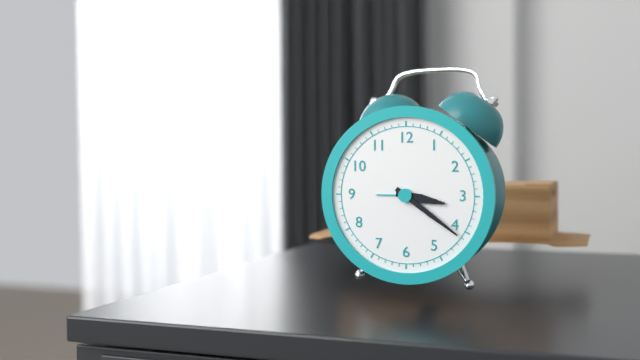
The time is 3h21
